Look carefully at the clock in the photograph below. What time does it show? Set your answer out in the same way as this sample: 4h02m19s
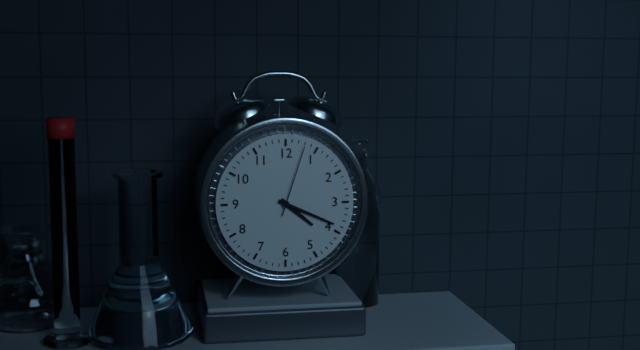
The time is 4h19m03s
